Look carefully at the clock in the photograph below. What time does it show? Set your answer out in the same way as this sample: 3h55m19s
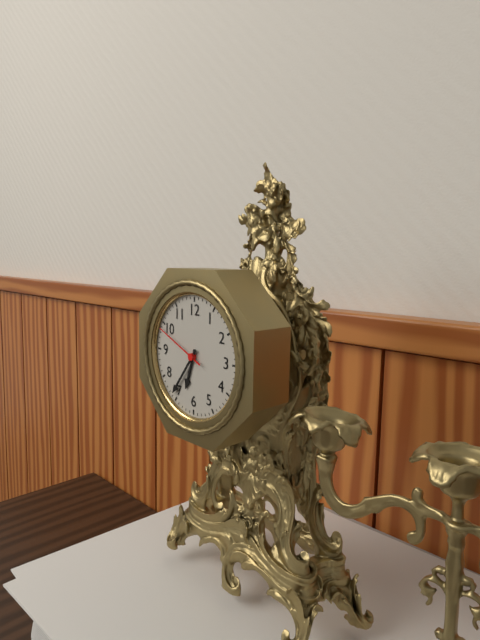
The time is 6h36m49s
